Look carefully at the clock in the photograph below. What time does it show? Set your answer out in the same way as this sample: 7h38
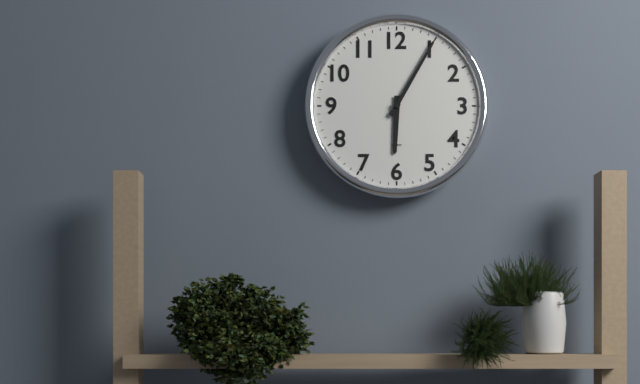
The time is 6h05
